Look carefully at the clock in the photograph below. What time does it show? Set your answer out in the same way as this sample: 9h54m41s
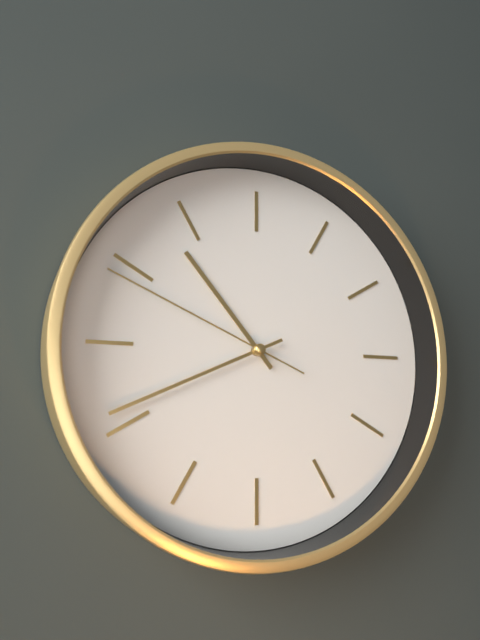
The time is 10h41m49s
